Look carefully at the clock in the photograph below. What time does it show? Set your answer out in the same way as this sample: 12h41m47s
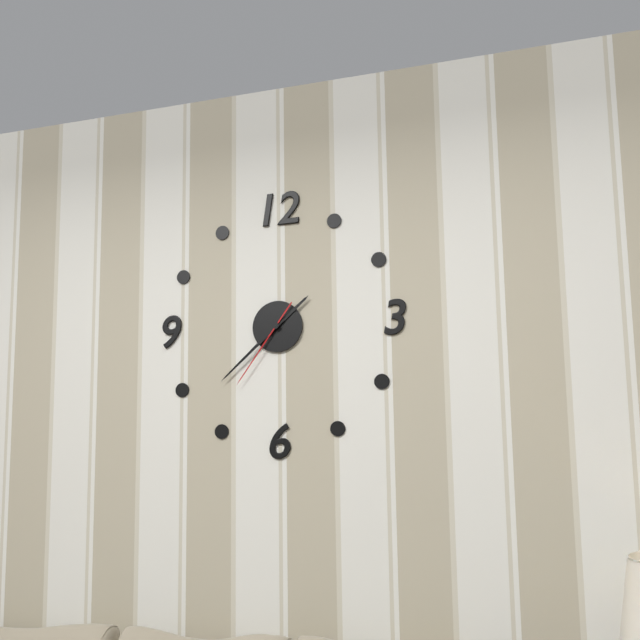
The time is 1h38m36s
